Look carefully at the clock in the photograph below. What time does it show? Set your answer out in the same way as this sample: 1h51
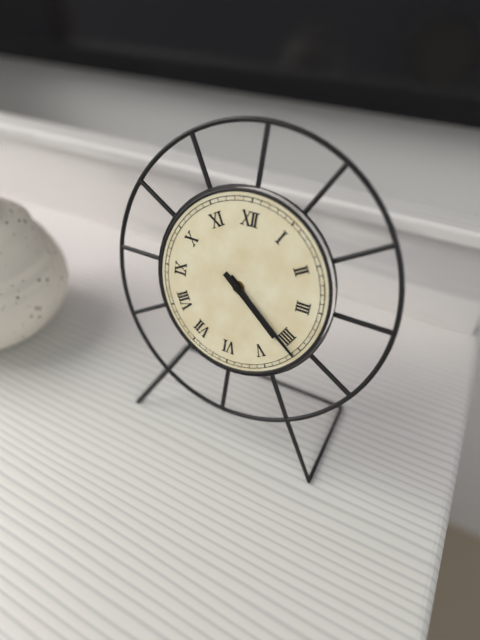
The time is 4h21
